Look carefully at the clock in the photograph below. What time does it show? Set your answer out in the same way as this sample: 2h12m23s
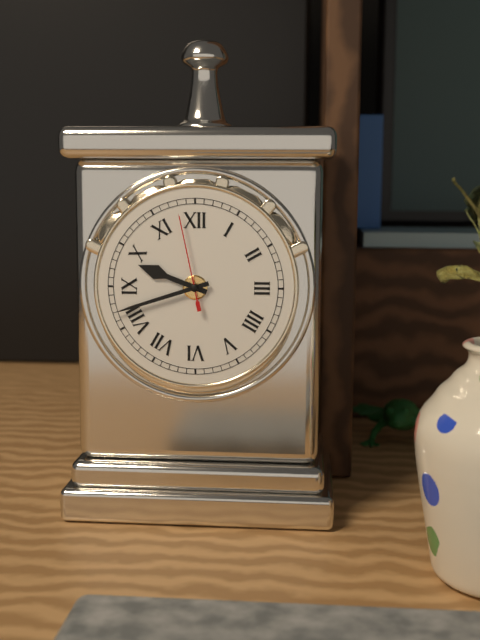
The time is 9h42m58s
